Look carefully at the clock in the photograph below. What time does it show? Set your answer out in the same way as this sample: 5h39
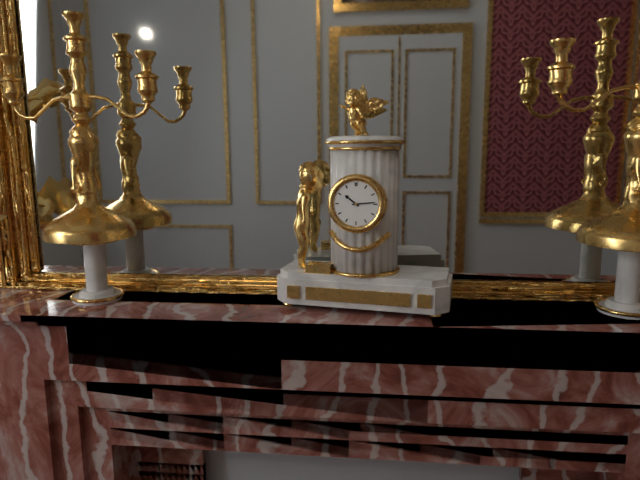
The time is 10h14
